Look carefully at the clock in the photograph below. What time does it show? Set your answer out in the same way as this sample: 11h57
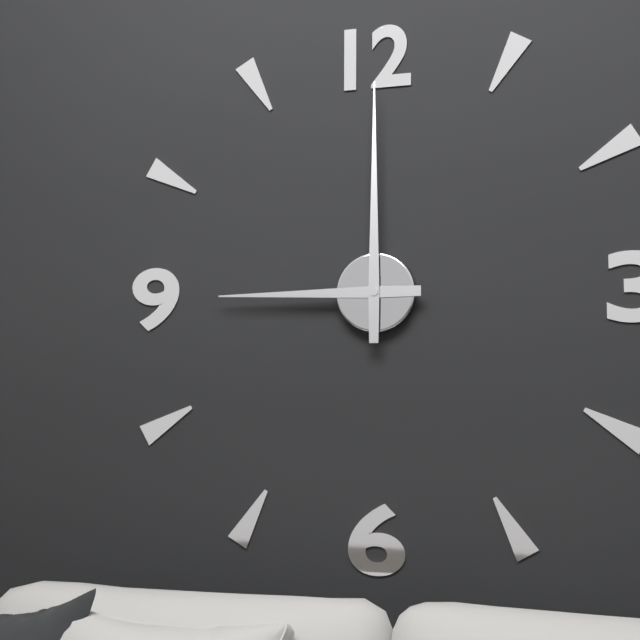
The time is 9h00
